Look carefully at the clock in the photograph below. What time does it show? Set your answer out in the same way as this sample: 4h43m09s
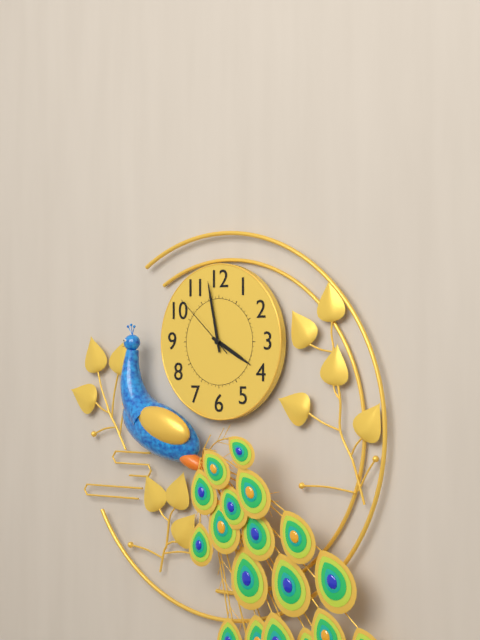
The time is 3h58m52s
